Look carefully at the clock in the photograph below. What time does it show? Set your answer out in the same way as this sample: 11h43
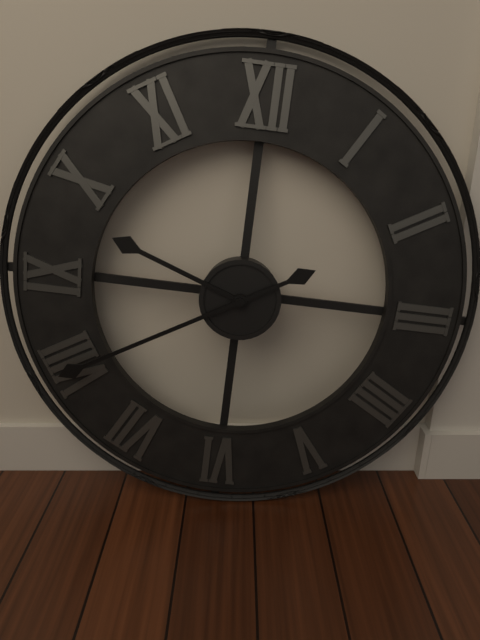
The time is 9h40
